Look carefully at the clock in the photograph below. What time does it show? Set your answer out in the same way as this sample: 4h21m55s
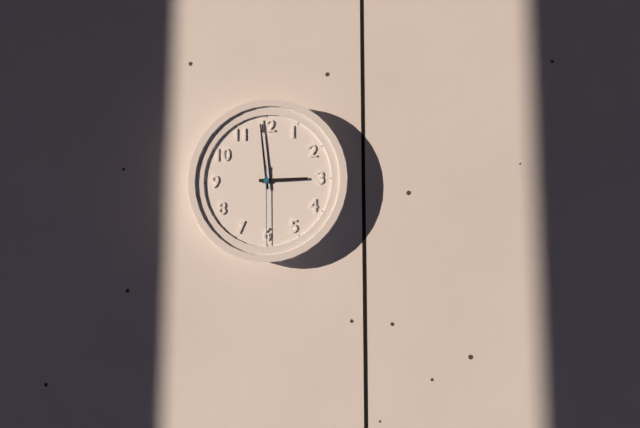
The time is 2h59m30s
